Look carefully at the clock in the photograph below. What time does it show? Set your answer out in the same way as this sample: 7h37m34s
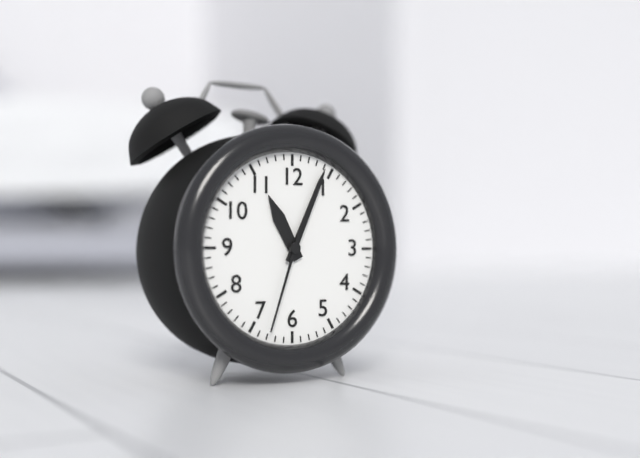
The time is 11h04m33s
